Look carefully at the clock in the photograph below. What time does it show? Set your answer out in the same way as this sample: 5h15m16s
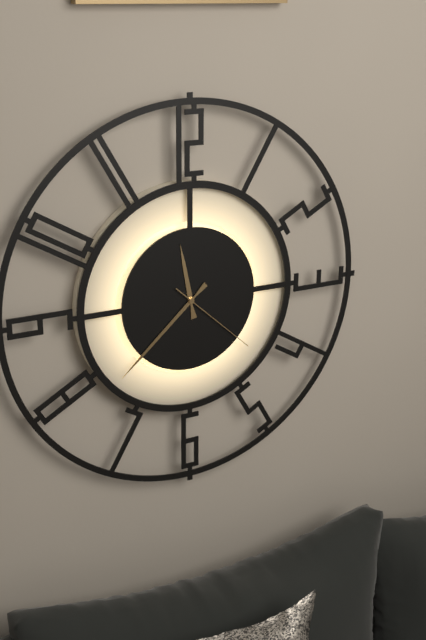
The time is 11h38m22s
